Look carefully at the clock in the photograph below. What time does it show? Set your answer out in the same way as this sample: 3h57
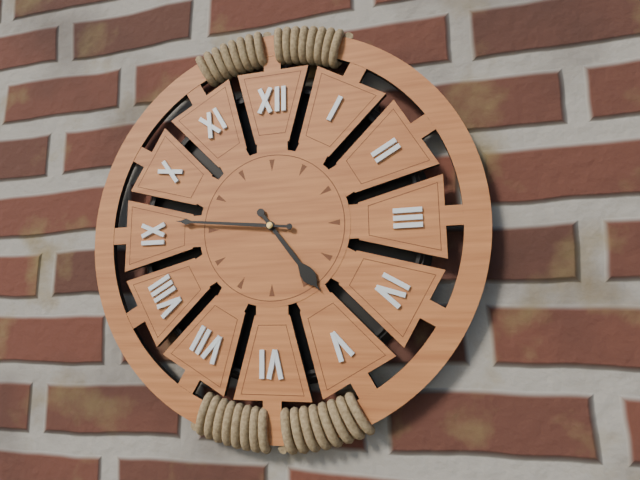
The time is 4h46
